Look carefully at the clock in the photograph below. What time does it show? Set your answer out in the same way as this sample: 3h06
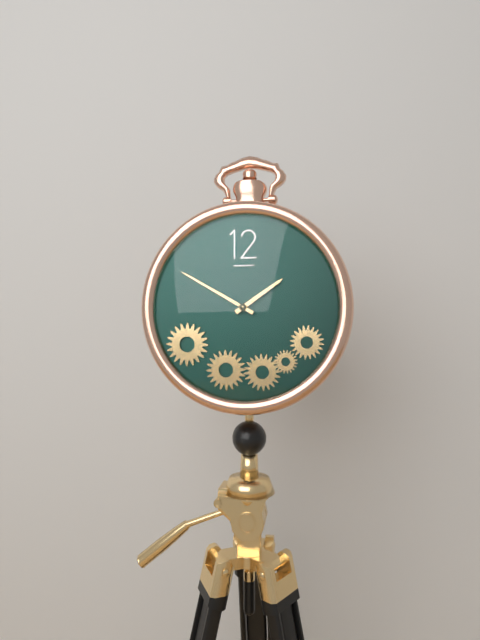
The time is 1h50
